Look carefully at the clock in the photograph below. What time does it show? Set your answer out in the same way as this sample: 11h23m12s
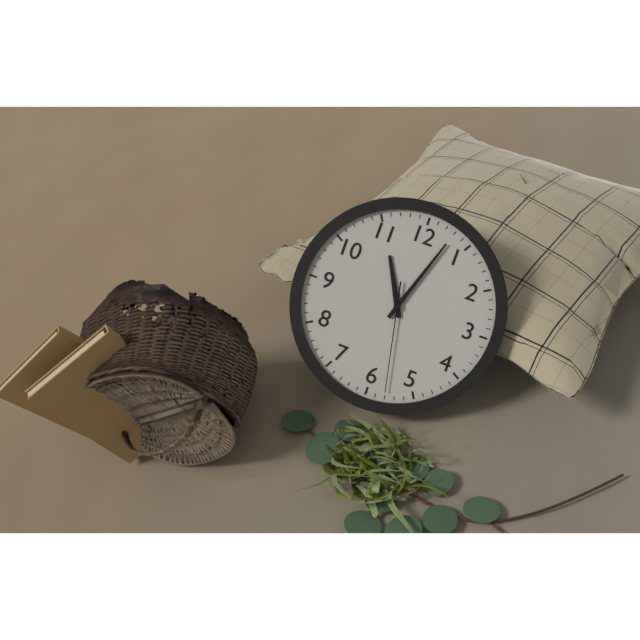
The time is 11h03m28s
